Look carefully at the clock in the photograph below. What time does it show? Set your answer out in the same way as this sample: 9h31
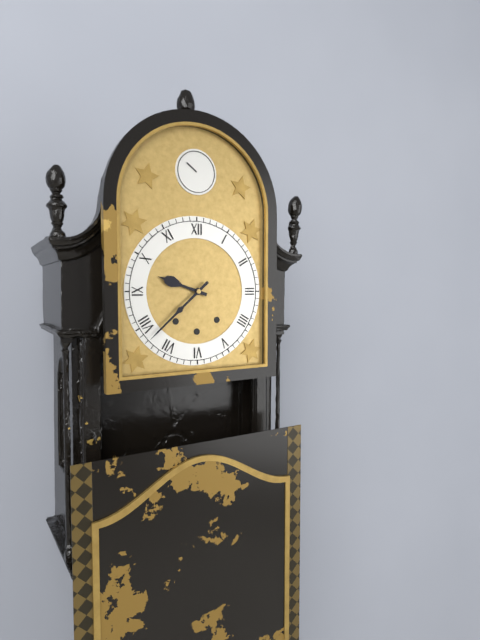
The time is 9h38
